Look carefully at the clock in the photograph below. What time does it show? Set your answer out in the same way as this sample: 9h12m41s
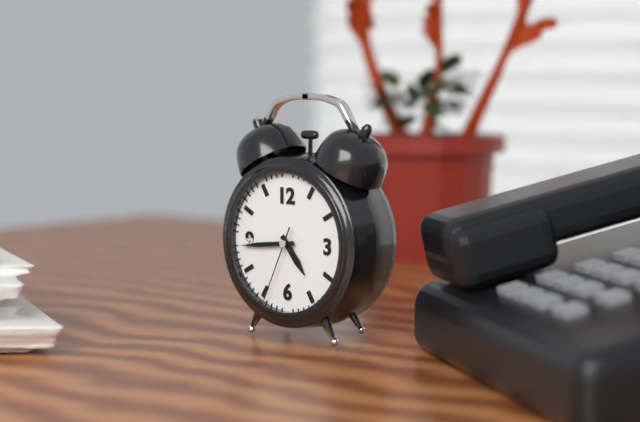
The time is 4h44m34s
